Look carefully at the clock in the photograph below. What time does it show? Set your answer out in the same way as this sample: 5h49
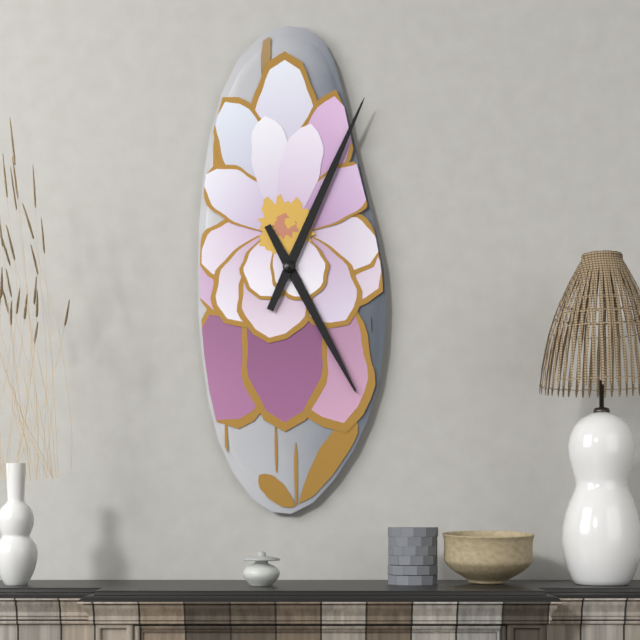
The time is 5h04
